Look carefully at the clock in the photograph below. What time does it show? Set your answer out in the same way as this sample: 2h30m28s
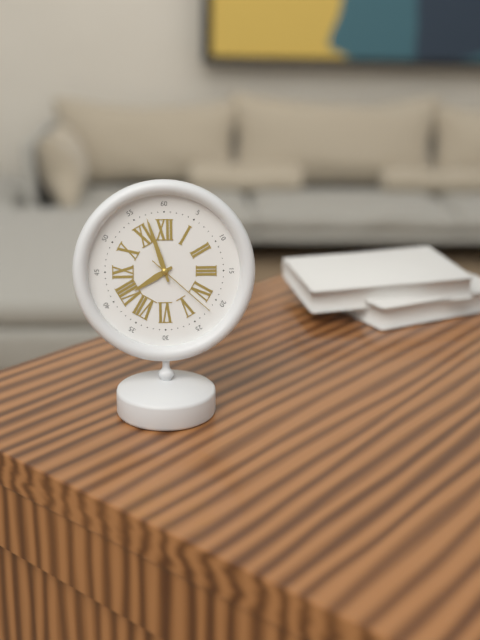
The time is 7h57m22s
